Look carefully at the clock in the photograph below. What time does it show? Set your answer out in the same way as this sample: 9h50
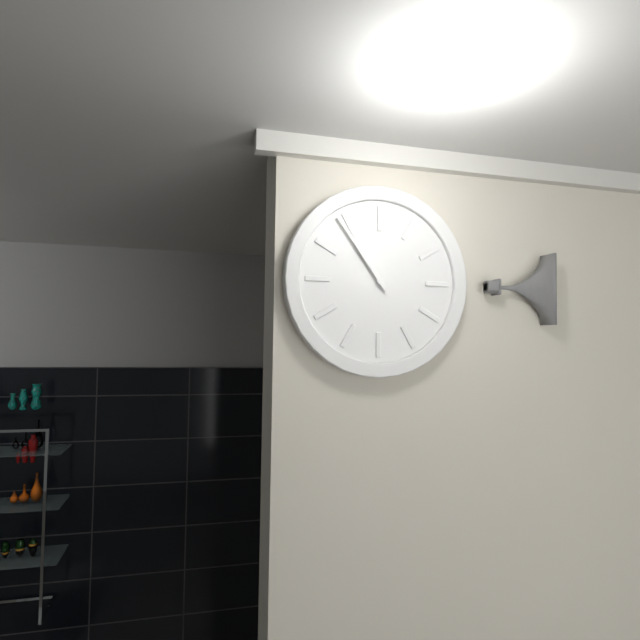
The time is 10h54
